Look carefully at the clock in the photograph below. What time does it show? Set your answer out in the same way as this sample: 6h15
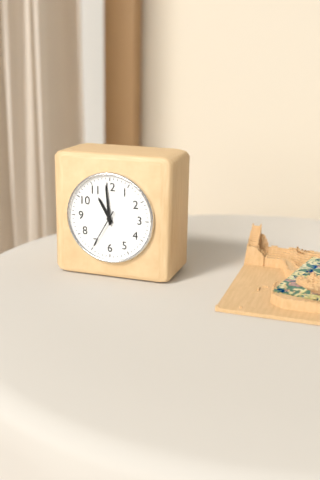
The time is 10h59
